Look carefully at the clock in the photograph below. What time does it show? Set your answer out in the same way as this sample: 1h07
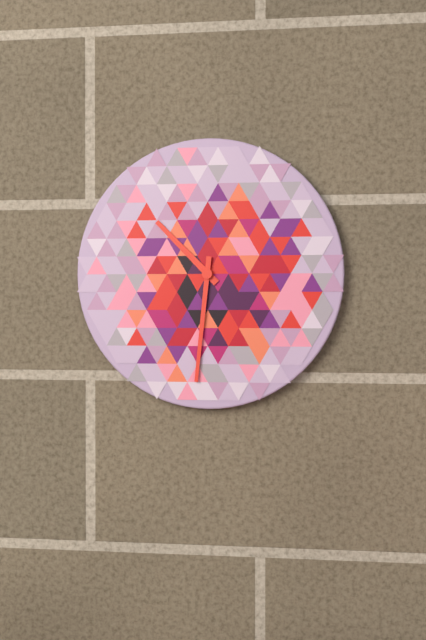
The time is 10h31
